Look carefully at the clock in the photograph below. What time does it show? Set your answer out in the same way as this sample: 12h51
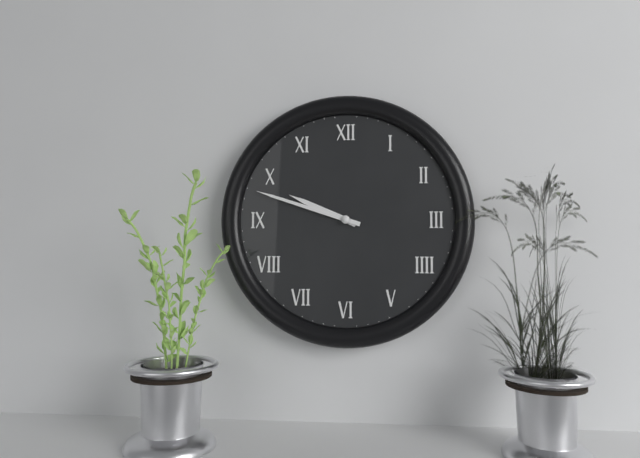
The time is 9h48
